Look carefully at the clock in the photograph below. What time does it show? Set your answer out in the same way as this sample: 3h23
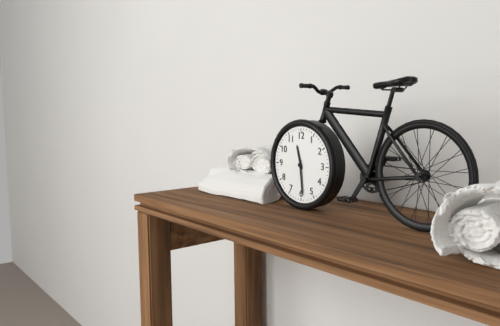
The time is 11h29
